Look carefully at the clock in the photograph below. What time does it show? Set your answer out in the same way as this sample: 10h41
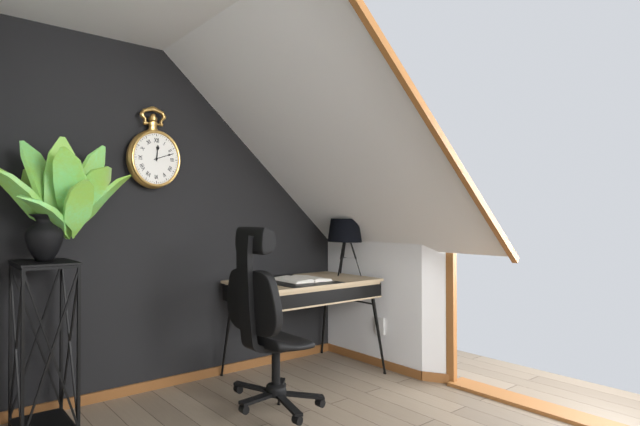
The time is 12h12
